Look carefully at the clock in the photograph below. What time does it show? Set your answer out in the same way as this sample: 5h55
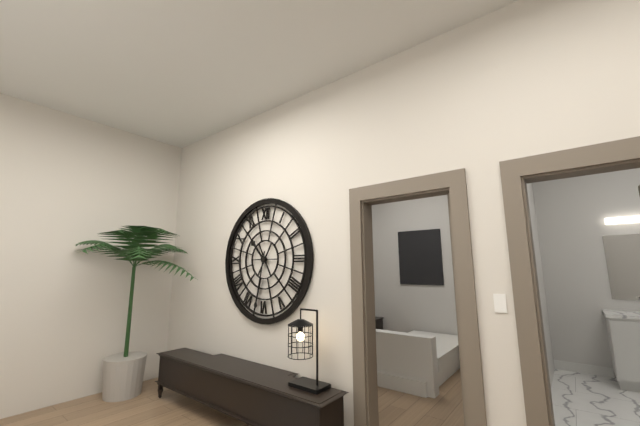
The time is 10h32
